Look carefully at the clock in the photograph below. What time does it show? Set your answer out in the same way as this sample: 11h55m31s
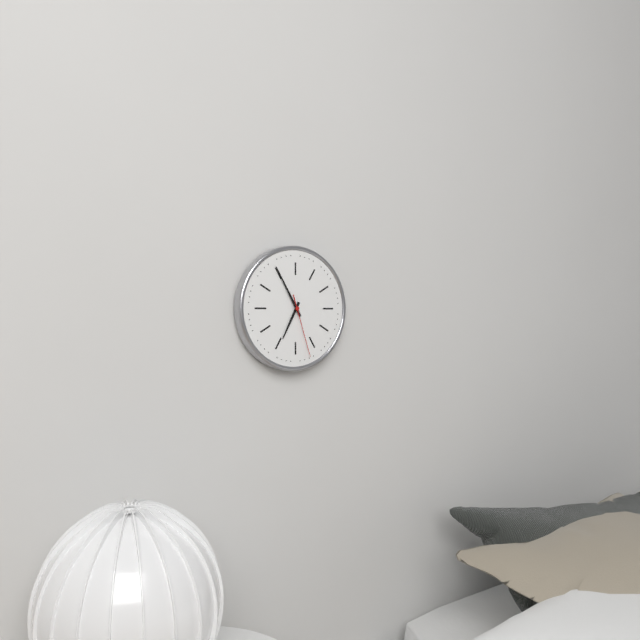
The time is 6h55m27s
